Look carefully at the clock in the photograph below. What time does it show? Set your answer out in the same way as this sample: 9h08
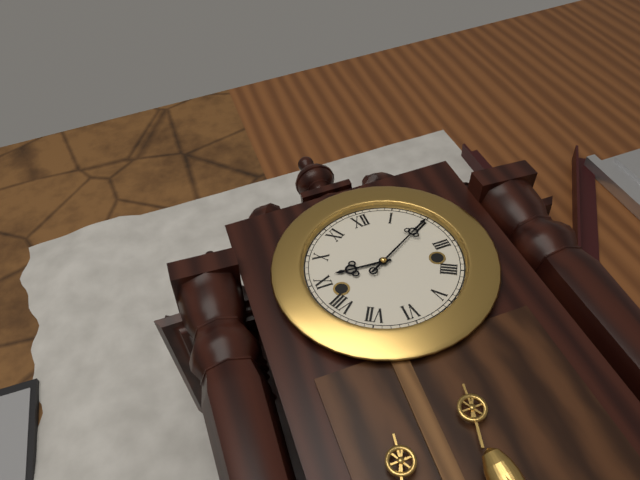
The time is 9h10
